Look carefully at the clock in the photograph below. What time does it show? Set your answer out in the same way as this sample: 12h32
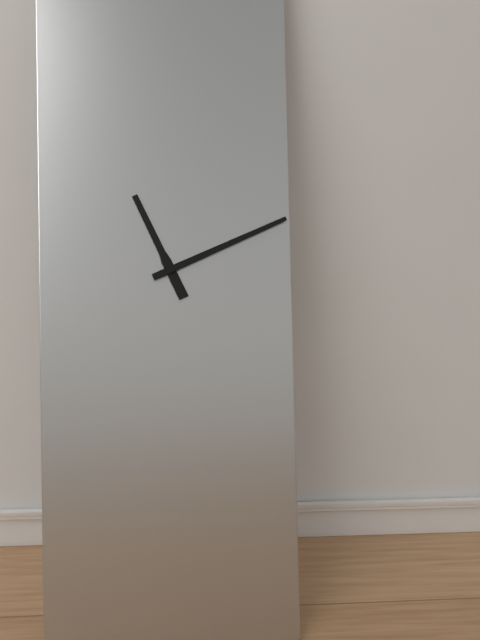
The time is 11h11
